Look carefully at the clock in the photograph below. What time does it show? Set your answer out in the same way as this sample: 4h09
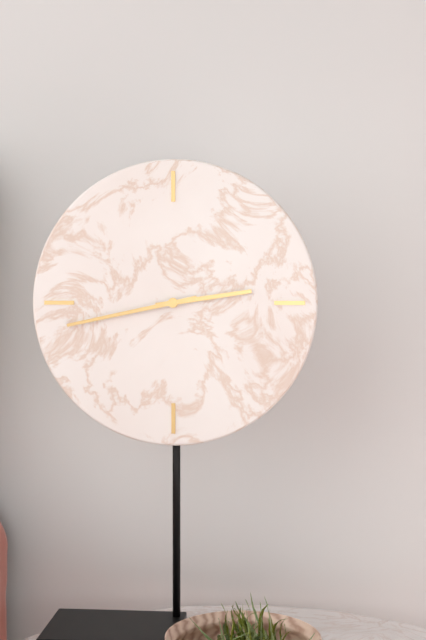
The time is 2h43
